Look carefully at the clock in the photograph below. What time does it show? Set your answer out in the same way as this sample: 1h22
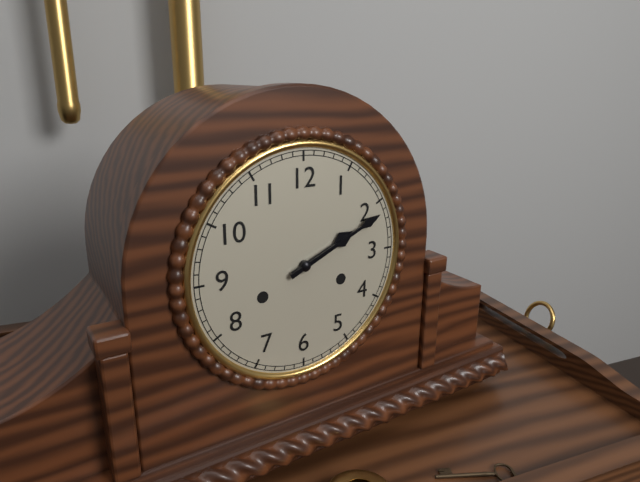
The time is 2h11
